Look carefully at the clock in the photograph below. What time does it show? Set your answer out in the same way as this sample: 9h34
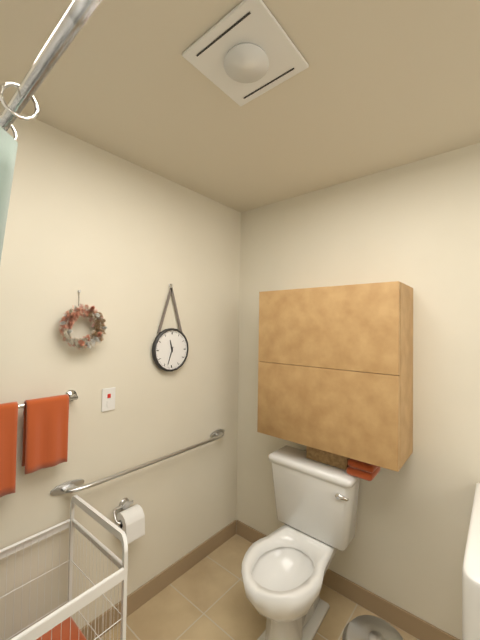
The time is 11h33
